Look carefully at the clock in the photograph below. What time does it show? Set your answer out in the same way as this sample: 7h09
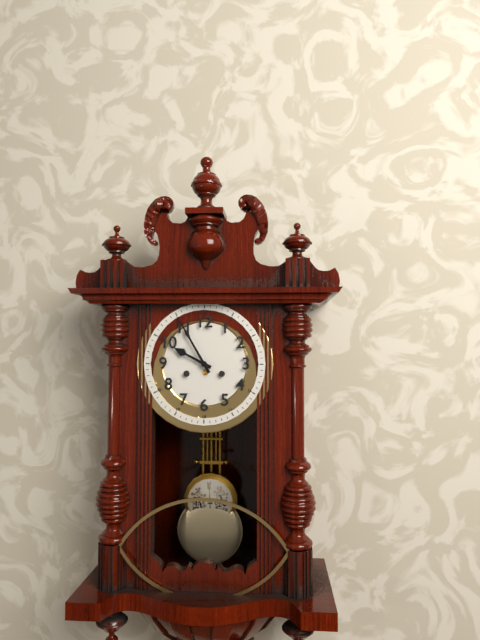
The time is 9h55
